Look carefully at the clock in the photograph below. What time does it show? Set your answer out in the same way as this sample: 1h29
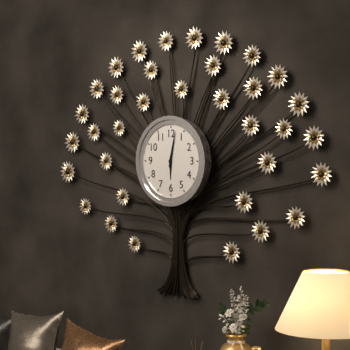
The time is 6h02
